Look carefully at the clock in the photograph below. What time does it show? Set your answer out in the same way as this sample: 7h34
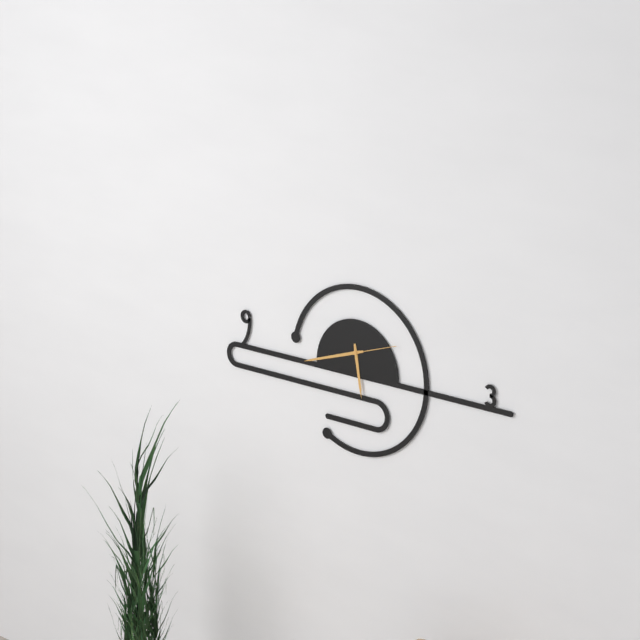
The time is 5h42
